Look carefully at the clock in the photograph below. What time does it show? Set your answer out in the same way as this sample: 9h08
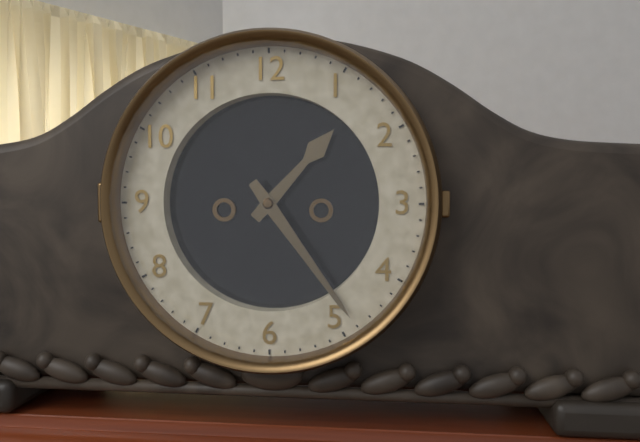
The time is 1h24
